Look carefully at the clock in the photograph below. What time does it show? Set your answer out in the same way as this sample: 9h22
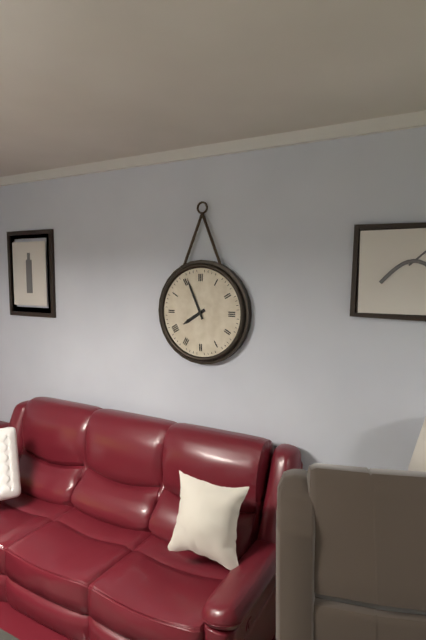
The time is 7h56
